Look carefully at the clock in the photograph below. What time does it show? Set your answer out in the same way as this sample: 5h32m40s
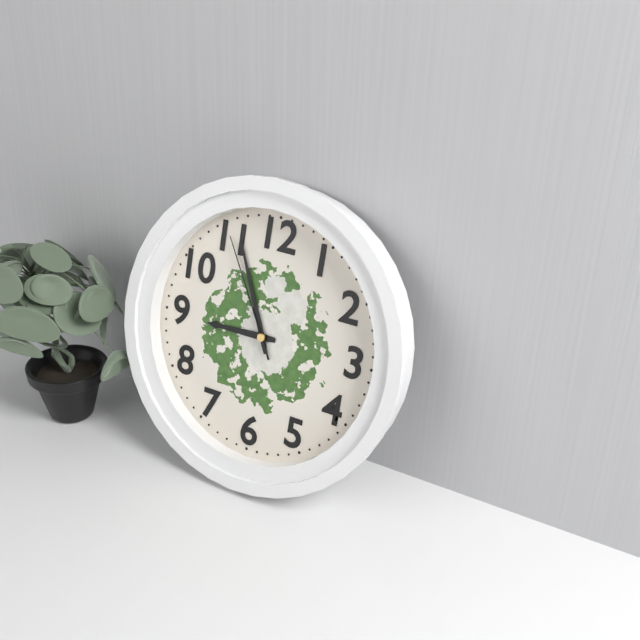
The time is 8h56m55s
